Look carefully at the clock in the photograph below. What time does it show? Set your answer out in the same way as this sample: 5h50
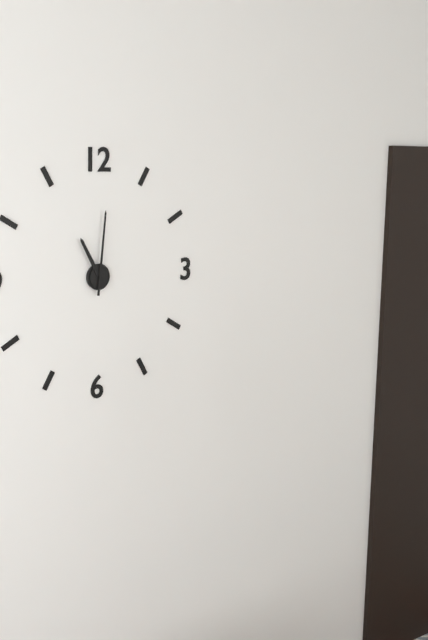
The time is 11h01
